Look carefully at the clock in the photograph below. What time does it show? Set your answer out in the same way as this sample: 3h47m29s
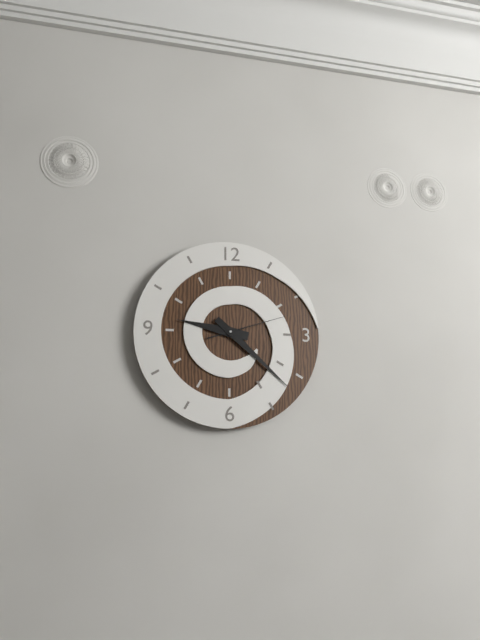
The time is 9h22m12s
